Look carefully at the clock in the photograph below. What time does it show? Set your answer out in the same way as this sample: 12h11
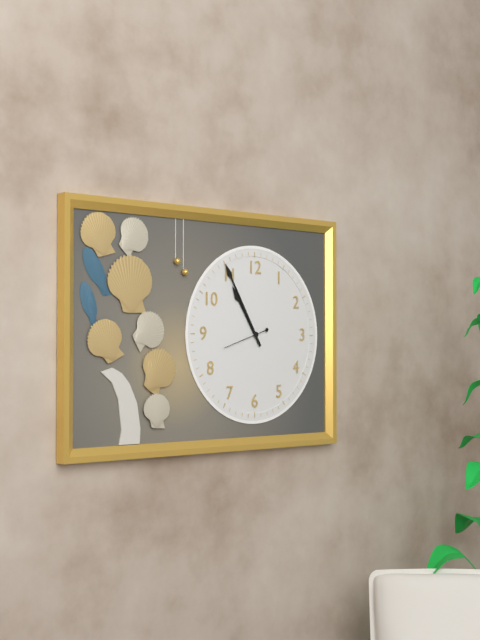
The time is 10h55
